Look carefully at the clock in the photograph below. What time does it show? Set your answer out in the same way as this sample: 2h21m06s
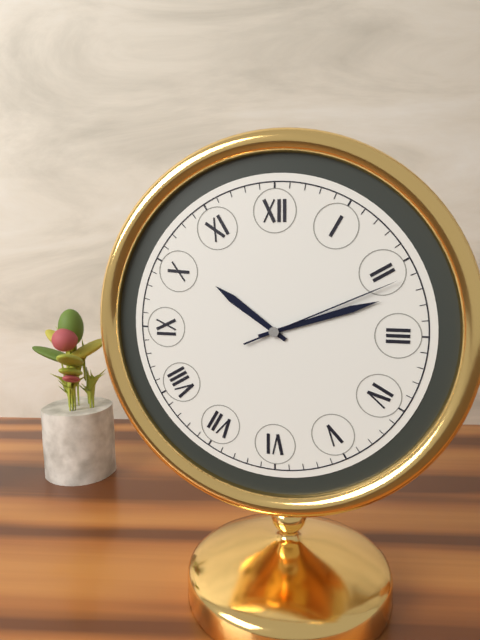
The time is 10h12m11s
